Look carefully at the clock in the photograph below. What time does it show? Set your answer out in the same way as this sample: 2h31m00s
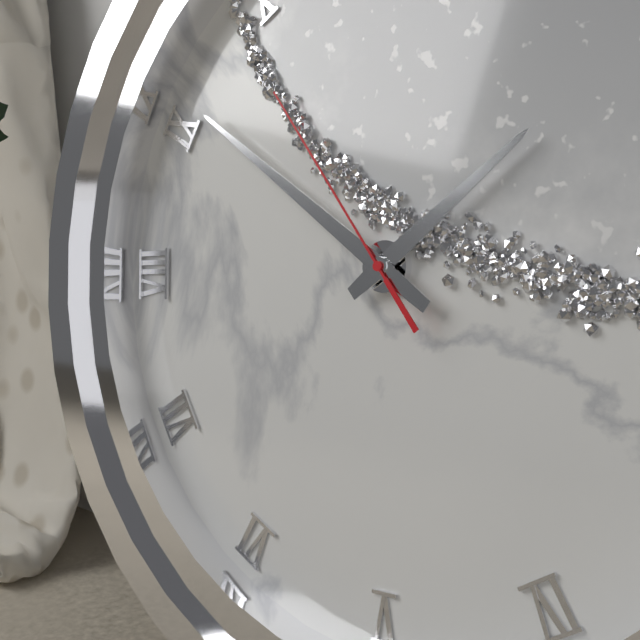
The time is 12h46m49s
